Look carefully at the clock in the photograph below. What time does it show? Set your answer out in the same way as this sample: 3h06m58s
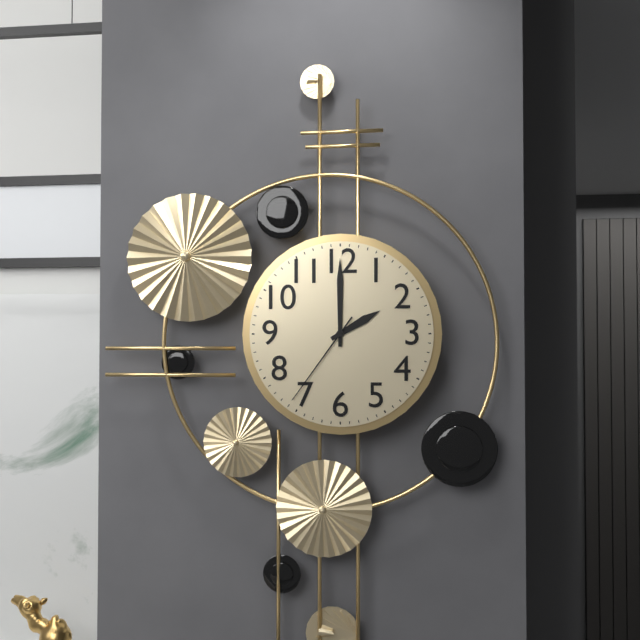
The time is 2h00m36s
